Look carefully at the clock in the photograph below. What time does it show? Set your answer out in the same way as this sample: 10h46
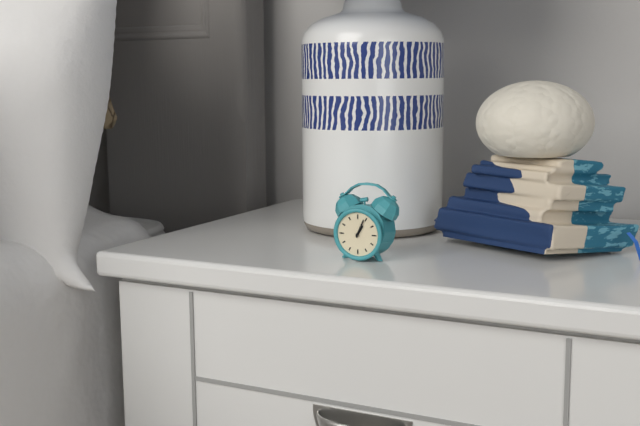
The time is 1h04
